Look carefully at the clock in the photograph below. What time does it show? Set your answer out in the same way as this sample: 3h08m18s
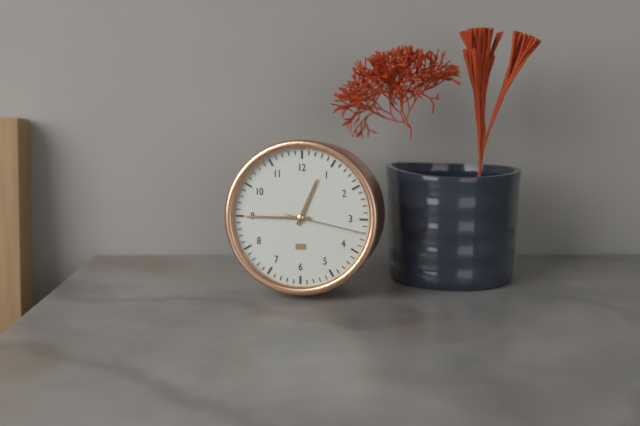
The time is 12h45m17s
